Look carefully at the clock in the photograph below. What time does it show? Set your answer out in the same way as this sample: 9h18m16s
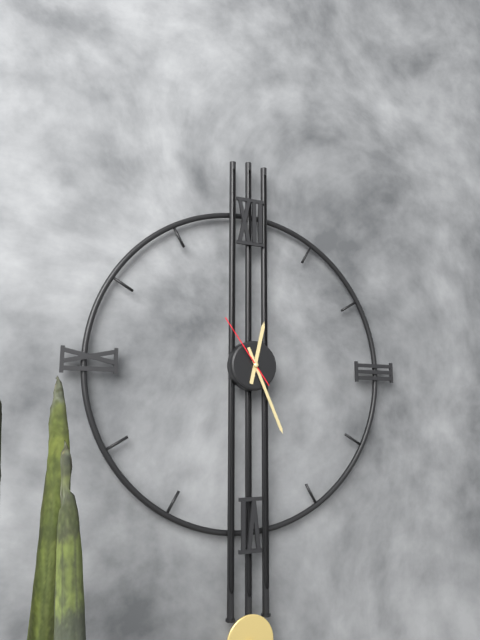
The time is 12h26m54s
